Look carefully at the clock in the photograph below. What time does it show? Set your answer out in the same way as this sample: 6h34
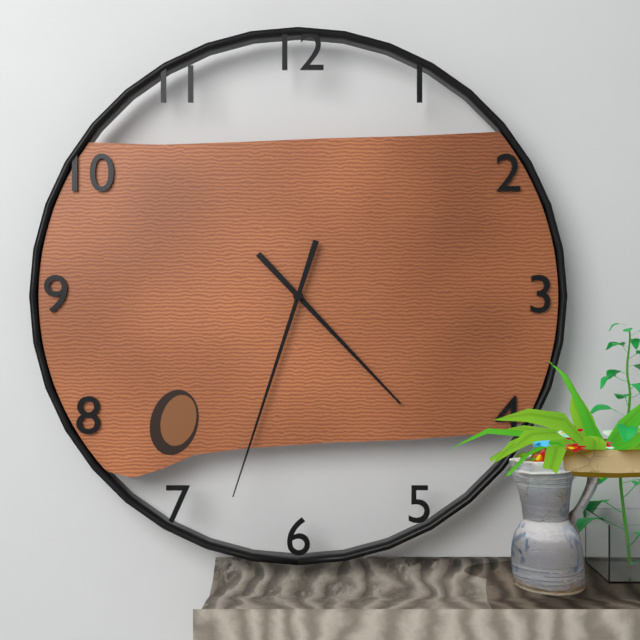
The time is 4h33
